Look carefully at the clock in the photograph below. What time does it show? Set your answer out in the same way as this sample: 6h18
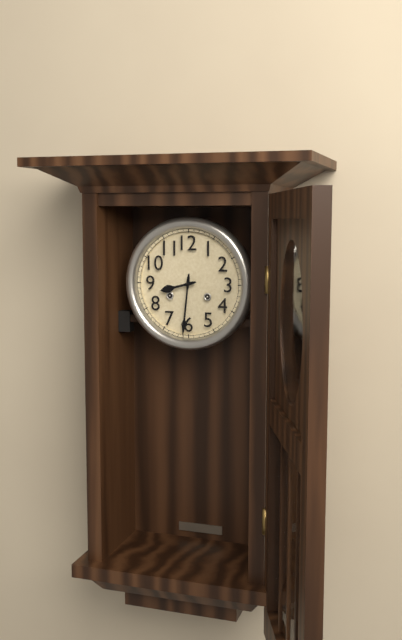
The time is 8h31
